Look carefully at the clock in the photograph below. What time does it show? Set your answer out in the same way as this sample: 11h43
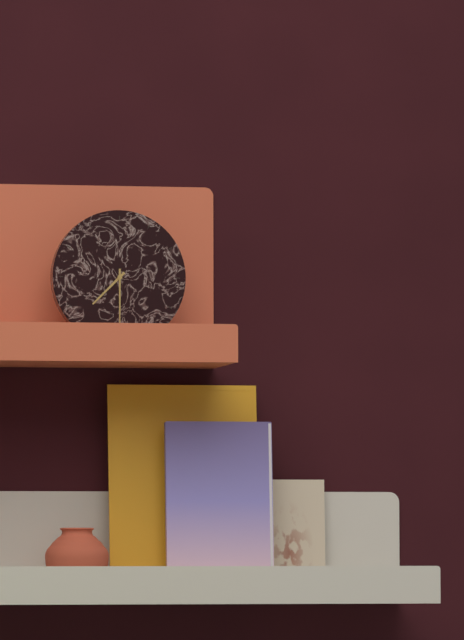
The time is 7h30
